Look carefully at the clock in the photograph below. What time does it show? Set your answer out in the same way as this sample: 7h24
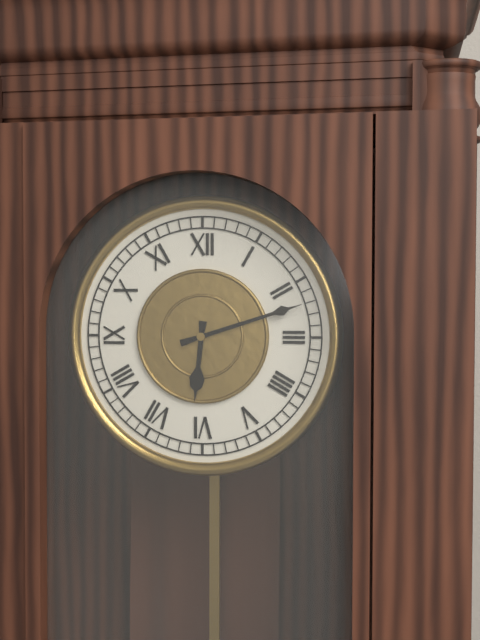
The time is 6h12
